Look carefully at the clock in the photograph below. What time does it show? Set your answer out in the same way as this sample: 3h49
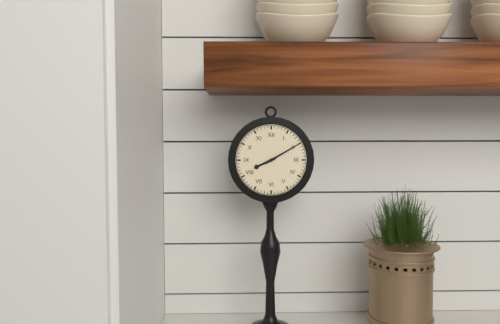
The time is 8h10
